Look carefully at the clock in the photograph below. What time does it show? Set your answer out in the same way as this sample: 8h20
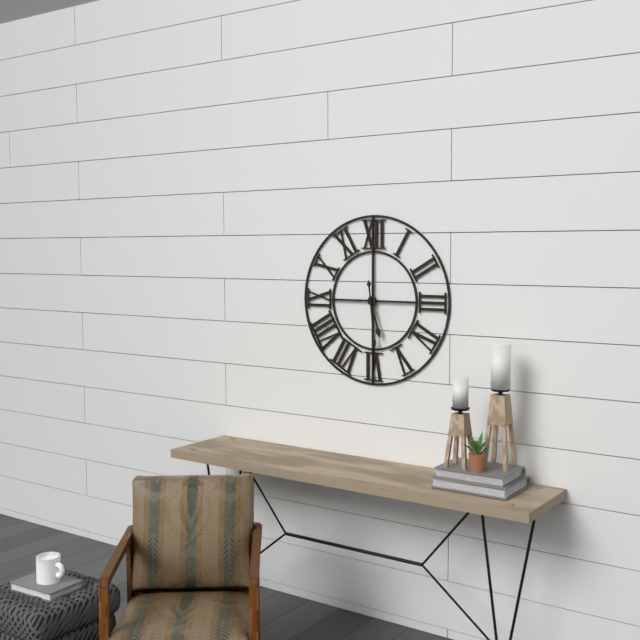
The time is 5h29
